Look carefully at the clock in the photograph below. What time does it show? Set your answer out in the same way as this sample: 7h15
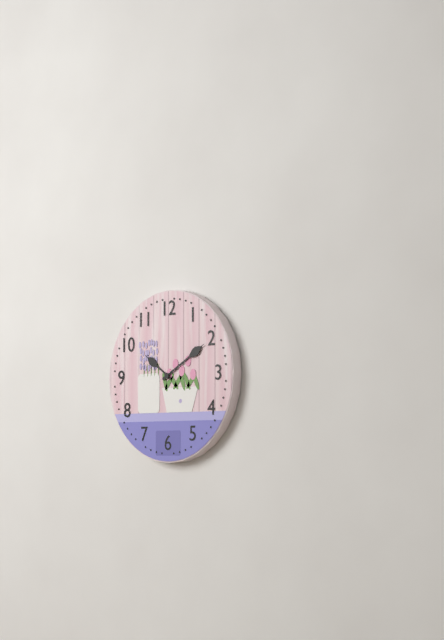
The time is 10h10
